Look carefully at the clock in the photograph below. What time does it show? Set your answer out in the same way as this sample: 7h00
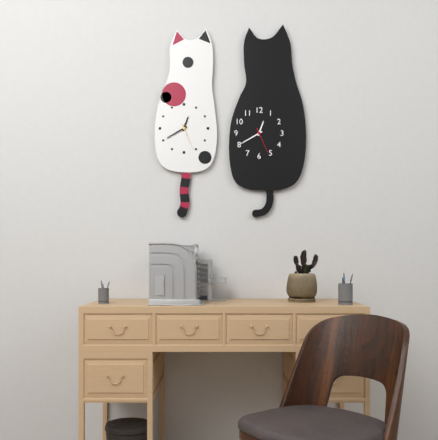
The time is 12h40
